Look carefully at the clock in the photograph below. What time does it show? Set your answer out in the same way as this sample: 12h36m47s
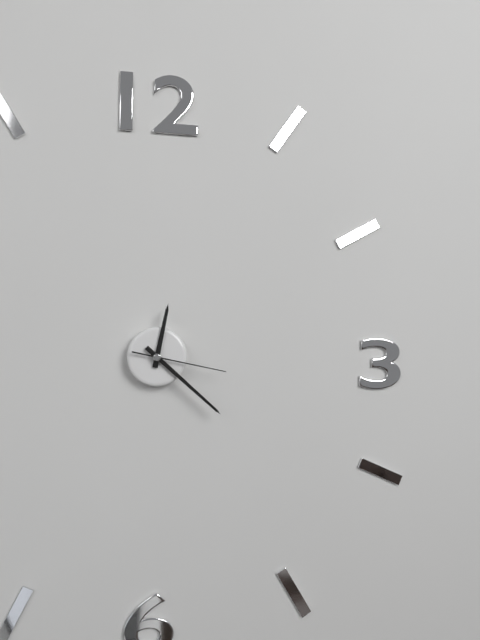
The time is 12h22m17s
